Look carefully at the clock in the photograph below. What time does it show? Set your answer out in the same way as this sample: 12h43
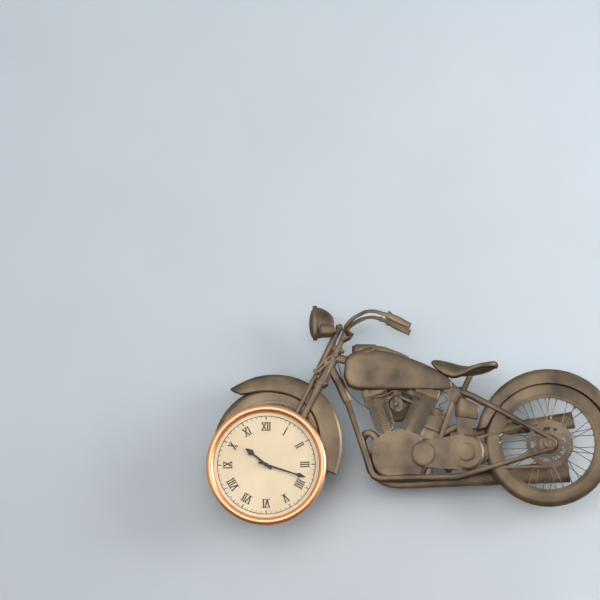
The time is 10h18
